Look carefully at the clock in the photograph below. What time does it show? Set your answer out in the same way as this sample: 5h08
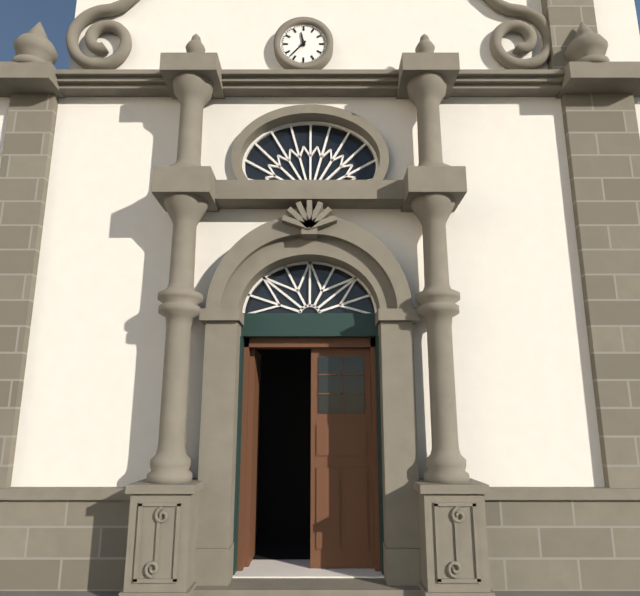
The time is 11h37
